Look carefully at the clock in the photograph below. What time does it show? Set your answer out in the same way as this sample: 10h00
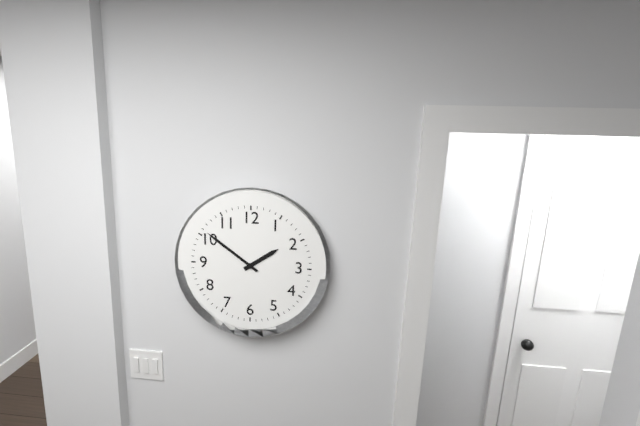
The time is 1h51
